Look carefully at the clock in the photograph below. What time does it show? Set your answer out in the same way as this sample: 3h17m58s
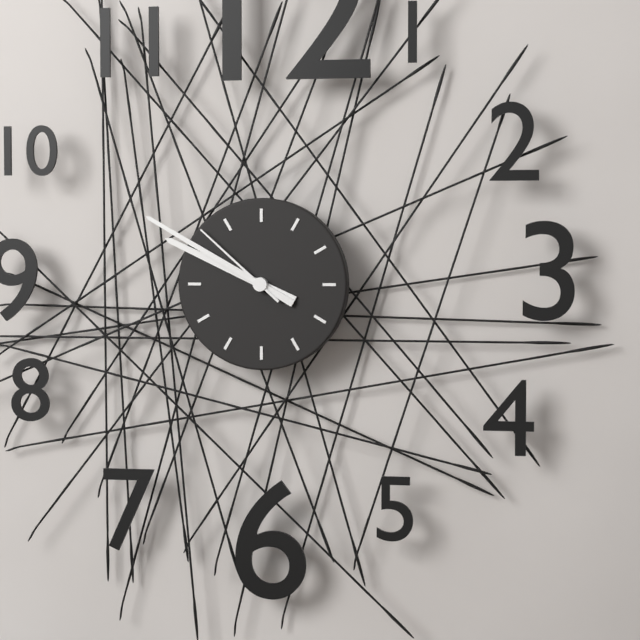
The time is 9h50m52s
